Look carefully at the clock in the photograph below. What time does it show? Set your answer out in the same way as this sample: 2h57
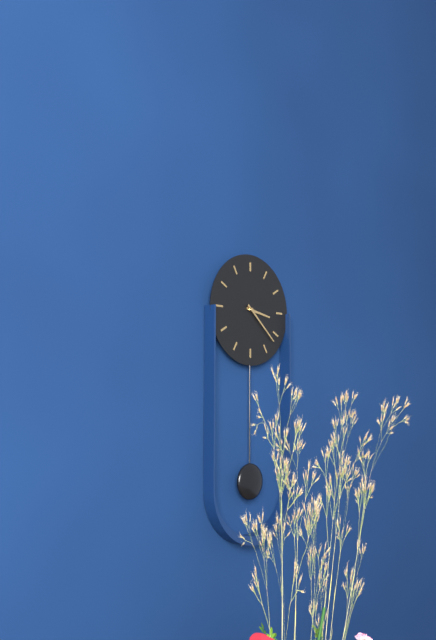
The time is 3h22
